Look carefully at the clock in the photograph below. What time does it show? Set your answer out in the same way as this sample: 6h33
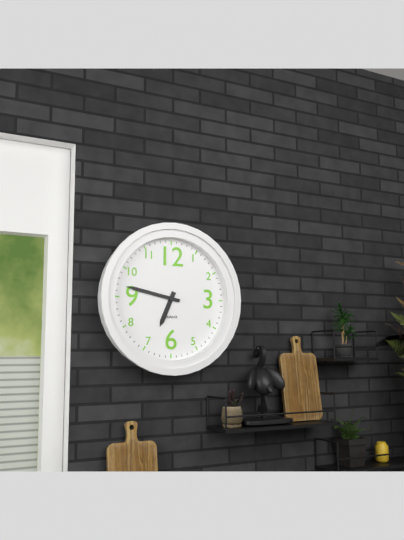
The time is 6h47
